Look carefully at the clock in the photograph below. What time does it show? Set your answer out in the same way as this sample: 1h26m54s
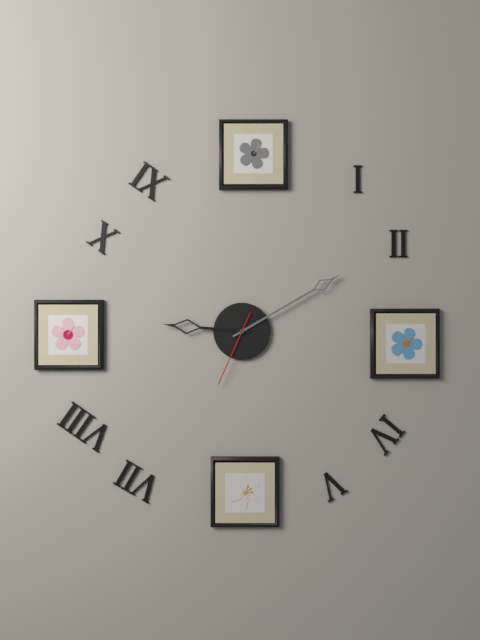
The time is 9h10m34s
